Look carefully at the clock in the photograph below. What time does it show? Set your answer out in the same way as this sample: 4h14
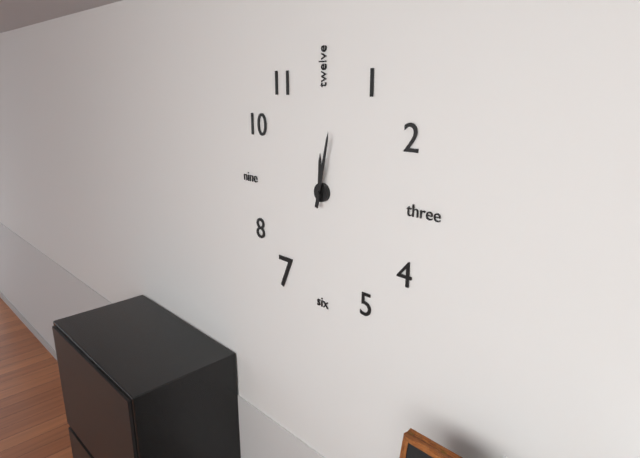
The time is 12h02
